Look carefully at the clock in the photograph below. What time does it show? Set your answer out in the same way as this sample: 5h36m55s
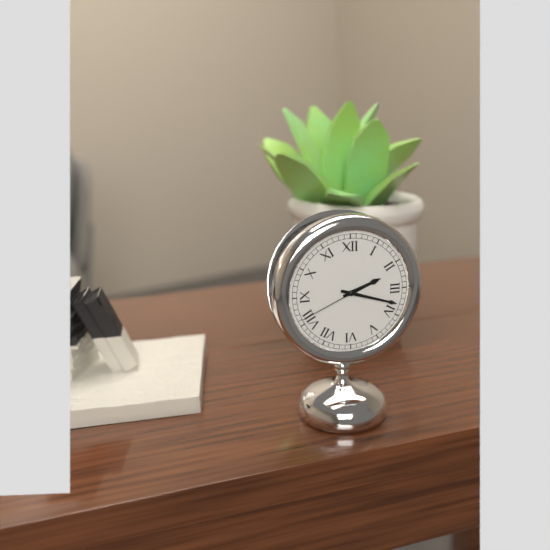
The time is 2h18m41s
